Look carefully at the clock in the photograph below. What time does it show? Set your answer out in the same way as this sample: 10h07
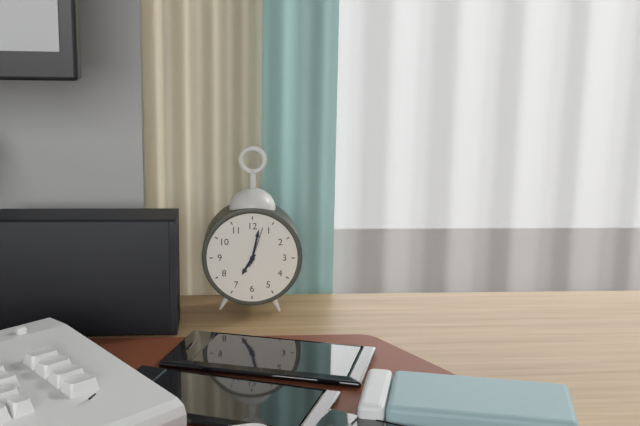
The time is 7h02
